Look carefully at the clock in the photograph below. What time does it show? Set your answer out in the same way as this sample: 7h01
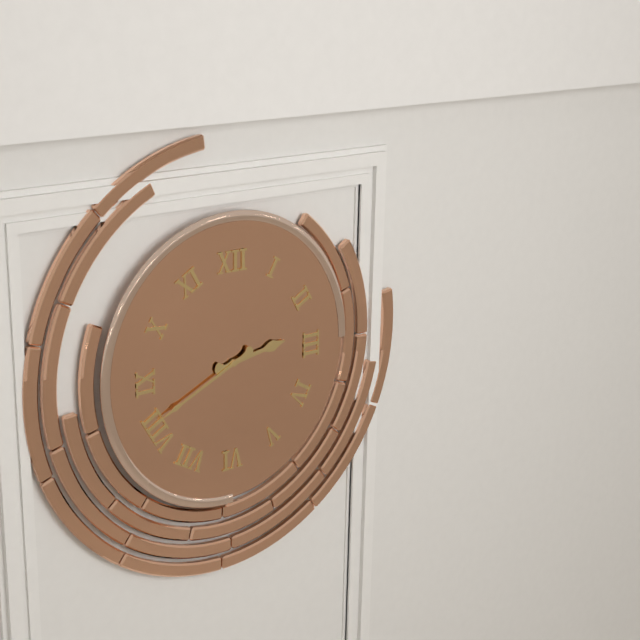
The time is 2h41
